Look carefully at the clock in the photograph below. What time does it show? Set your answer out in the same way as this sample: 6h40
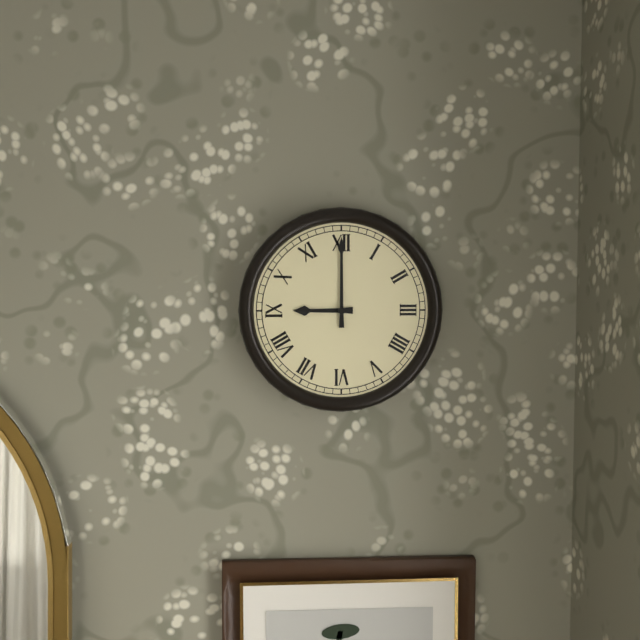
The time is 9h00
